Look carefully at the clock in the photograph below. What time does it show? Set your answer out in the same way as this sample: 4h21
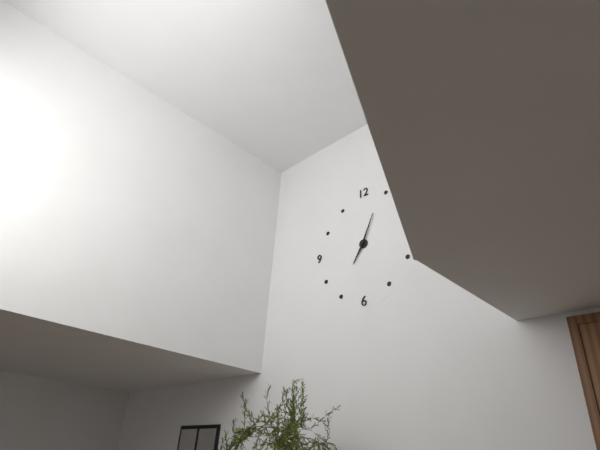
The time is 7h04
